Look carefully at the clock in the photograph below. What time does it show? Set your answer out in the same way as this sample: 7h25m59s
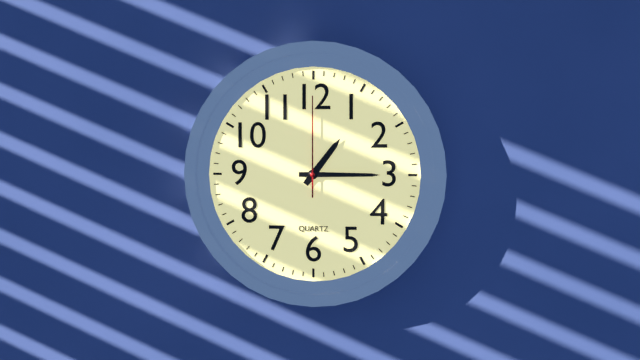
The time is 1h15m00s
